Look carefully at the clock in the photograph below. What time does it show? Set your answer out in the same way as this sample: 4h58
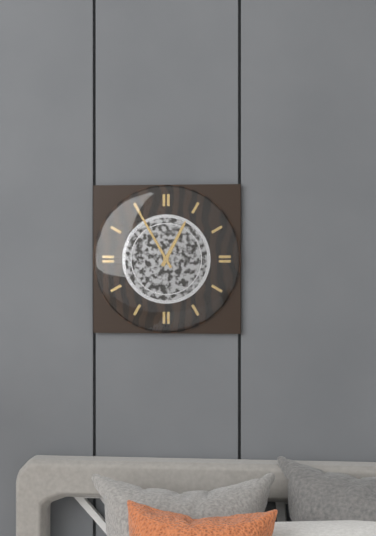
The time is 12h55
